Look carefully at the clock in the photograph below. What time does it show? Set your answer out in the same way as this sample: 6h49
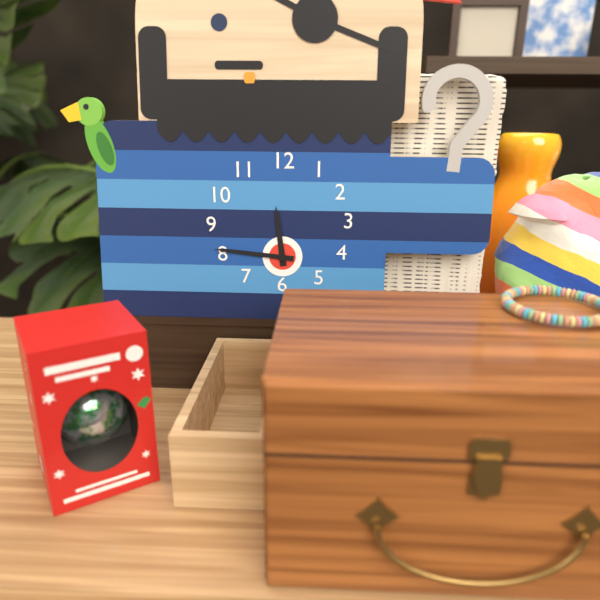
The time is 11h46
